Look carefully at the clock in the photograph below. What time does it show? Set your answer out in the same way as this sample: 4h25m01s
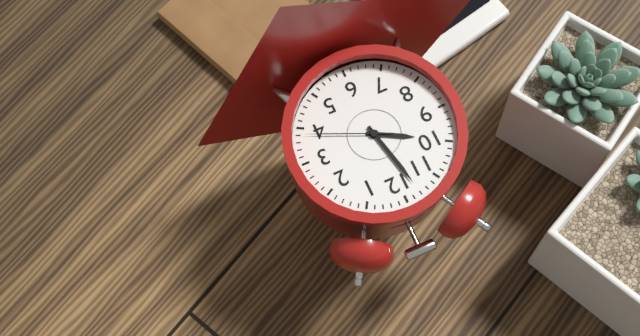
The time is 9h58m19s
